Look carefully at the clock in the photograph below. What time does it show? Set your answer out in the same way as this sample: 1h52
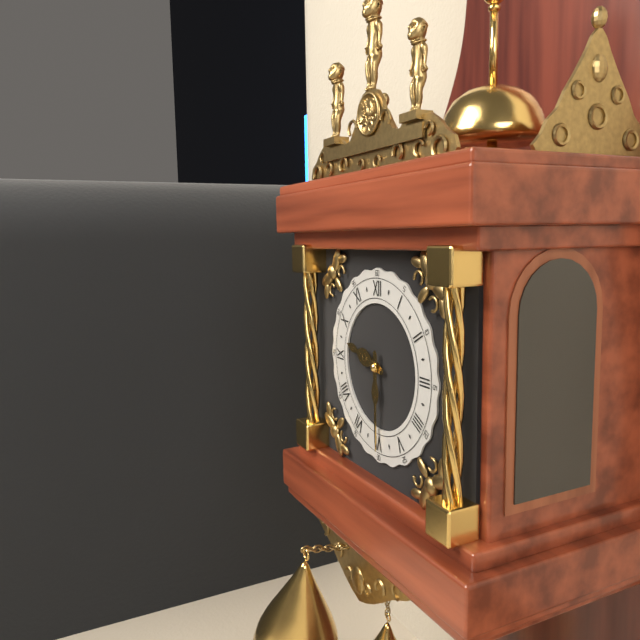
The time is 9h30
